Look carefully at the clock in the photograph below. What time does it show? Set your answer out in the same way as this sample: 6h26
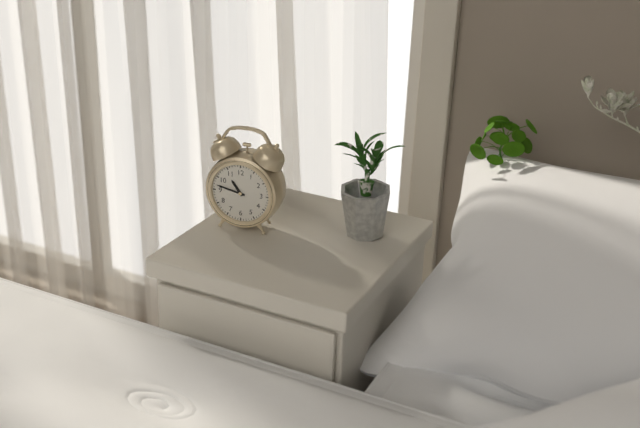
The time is 10h47
